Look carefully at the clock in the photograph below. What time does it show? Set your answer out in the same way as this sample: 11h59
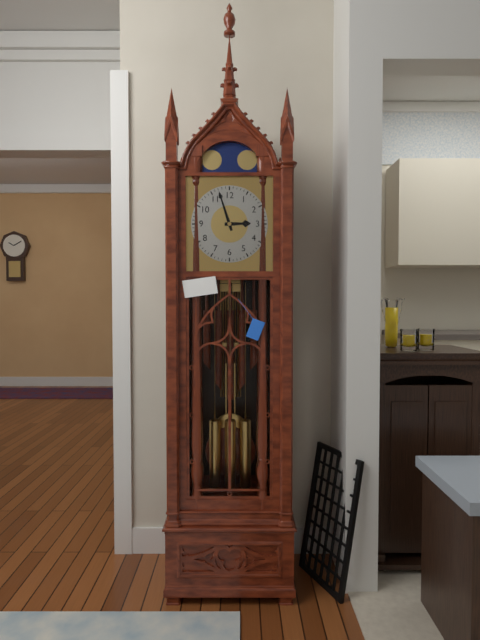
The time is 2h57
